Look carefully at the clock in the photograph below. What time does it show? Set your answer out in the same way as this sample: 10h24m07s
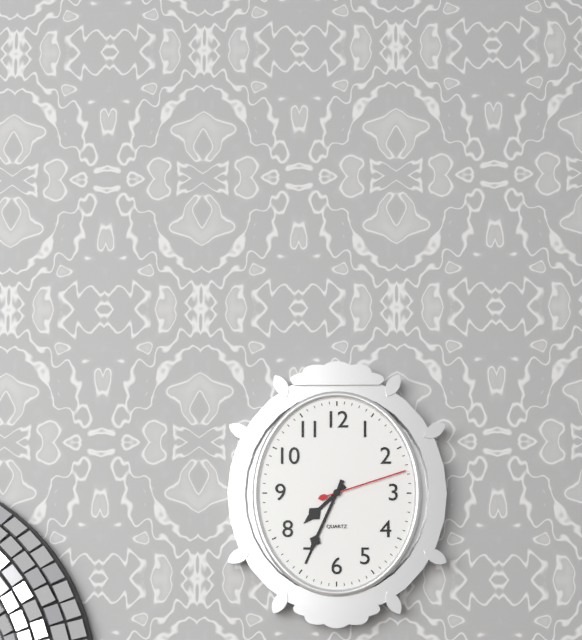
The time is 7h34m12s
